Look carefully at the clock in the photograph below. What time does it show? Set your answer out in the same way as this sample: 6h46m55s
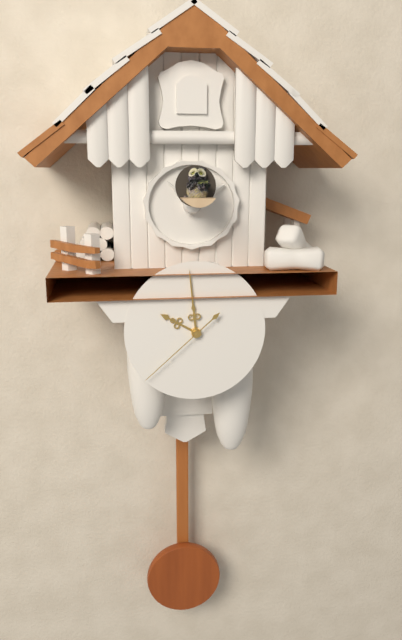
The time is 9h59m38s
